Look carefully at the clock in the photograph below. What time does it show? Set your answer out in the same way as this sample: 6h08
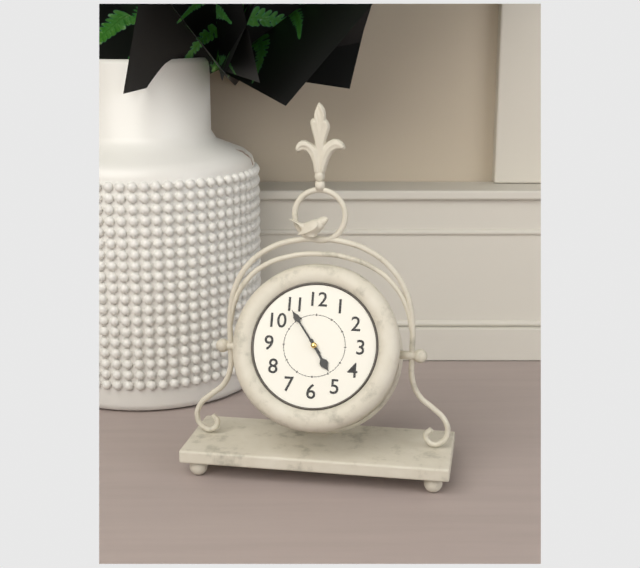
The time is 4h54
